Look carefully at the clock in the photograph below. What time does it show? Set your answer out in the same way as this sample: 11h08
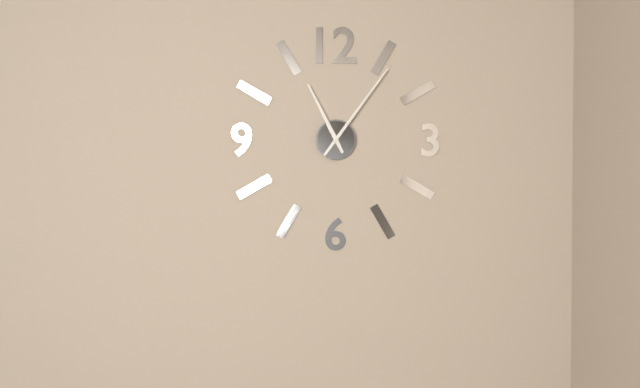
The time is 11h06
